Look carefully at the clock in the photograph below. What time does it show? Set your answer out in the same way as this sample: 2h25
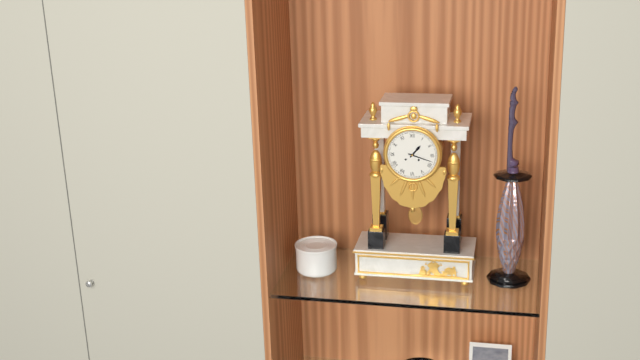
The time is 1h18
